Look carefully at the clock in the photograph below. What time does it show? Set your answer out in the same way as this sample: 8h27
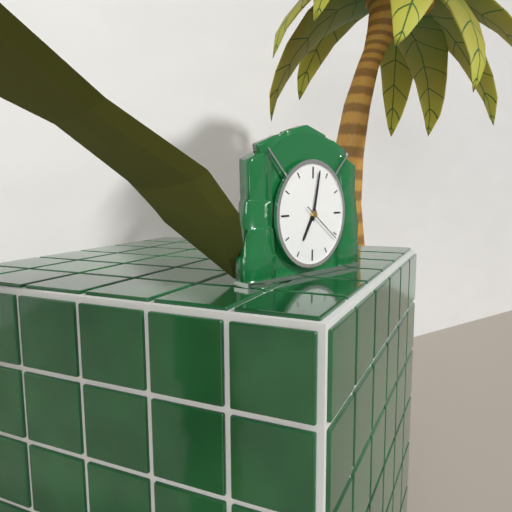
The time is 7h02
